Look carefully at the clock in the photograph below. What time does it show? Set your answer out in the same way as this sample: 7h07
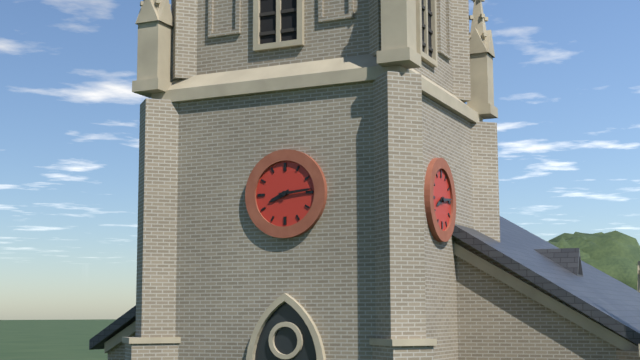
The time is 8h14
